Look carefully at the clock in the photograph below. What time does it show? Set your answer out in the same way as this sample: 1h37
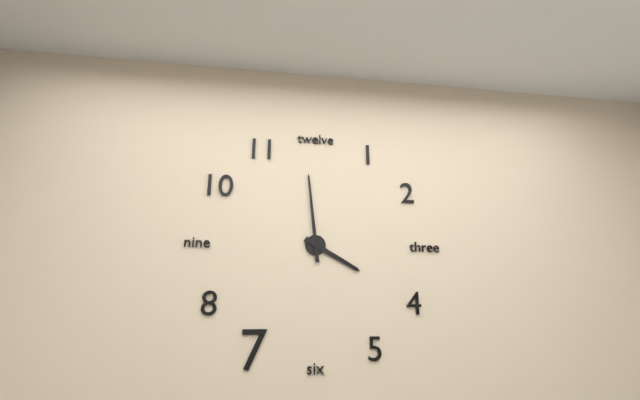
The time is 3h59
